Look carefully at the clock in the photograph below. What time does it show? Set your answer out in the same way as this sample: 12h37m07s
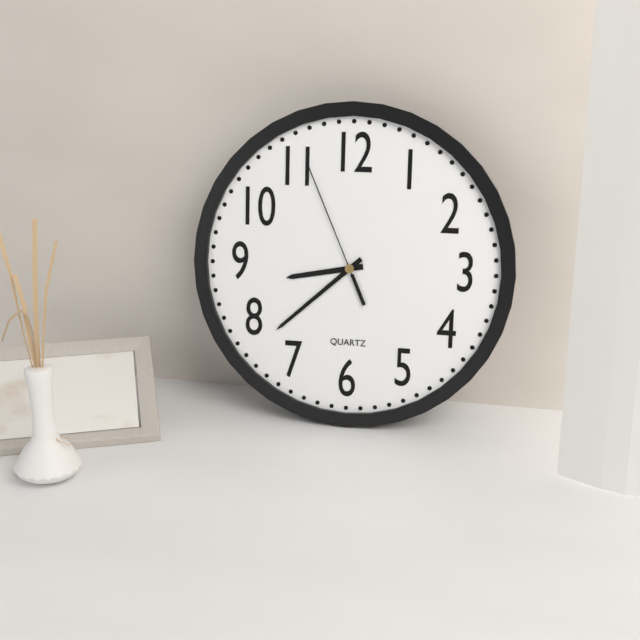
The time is 8h38m56s
